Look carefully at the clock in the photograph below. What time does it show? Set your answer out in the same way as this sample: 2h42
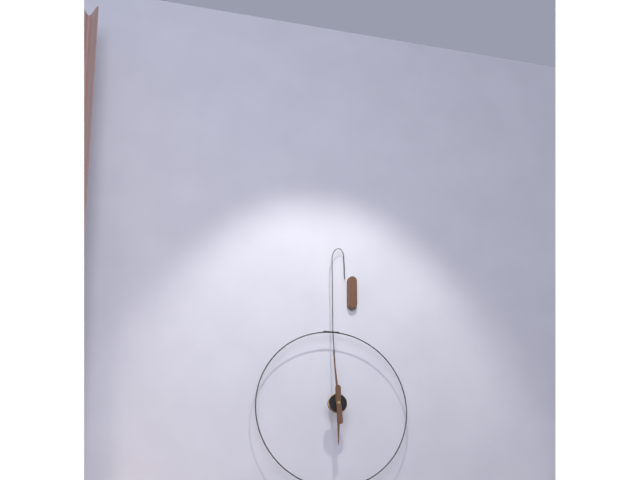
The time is 5h59
